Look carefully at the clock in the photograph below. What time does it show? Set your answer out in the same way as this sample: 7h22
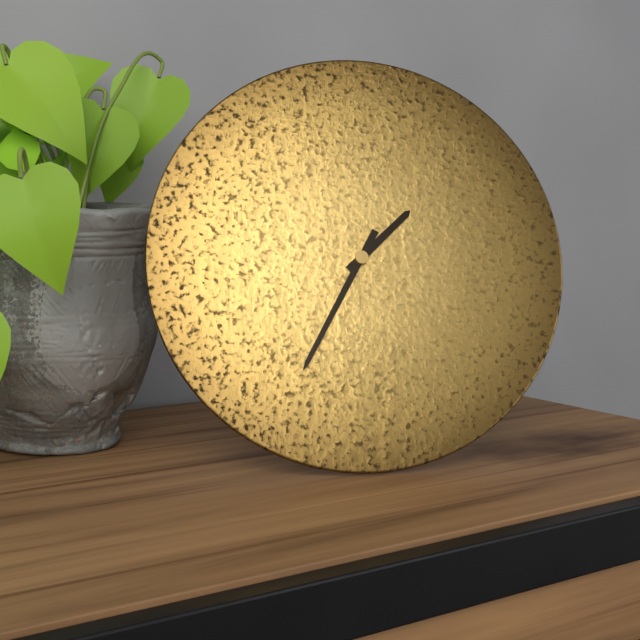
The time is 1h35
